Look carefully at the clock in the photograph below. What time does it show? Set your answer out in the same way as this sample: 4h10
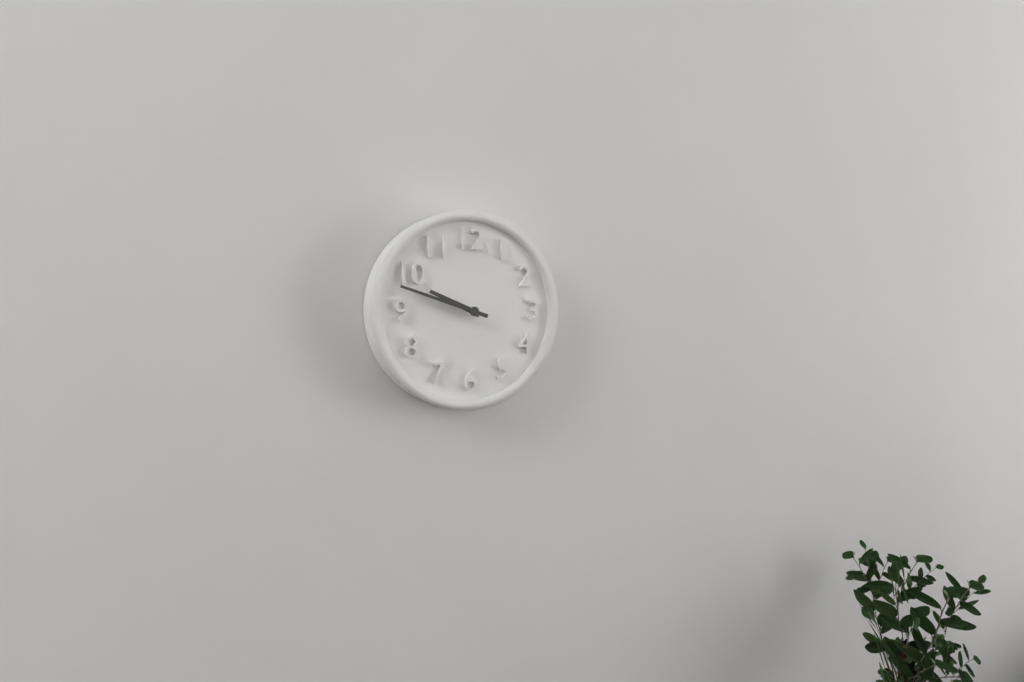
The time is 9h48
